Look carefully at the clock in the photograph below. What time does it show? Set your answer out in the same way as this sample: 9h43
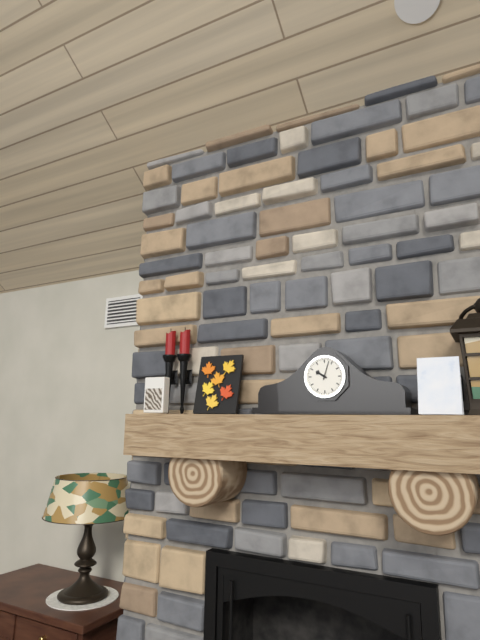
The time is 10h03
